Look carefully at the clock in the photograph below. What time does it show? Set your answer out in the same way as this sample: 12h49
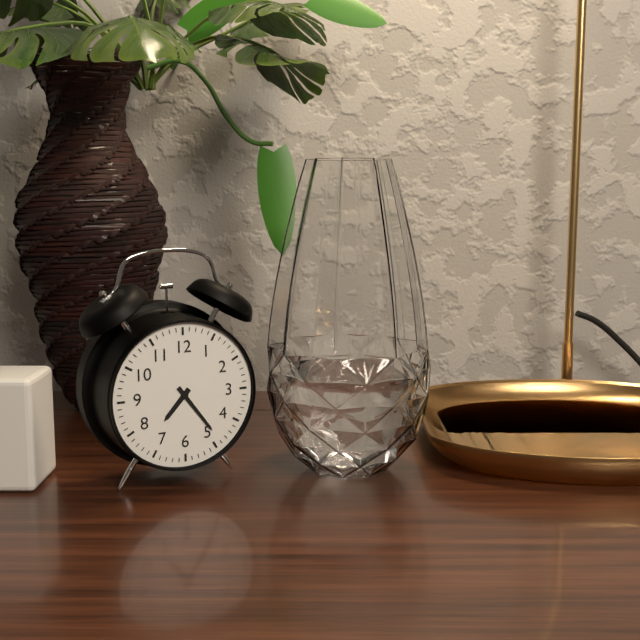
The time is 7h24
